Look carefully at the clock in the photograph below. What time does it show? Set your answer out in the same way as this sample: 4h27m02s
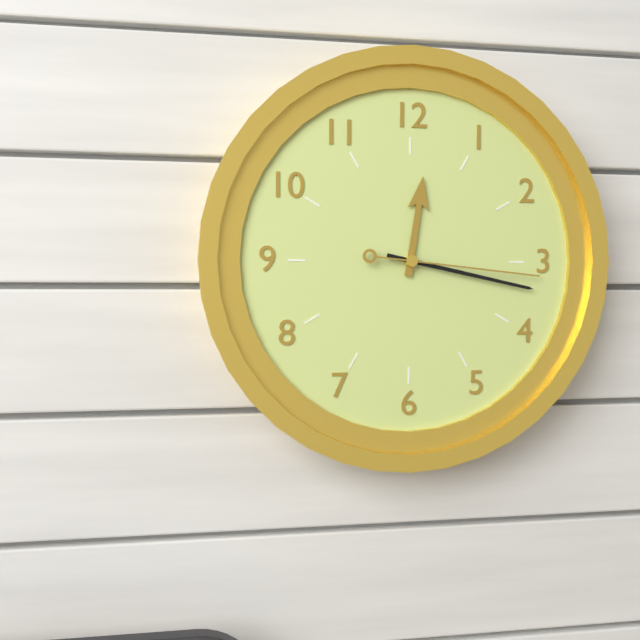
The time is 12h17m16s
